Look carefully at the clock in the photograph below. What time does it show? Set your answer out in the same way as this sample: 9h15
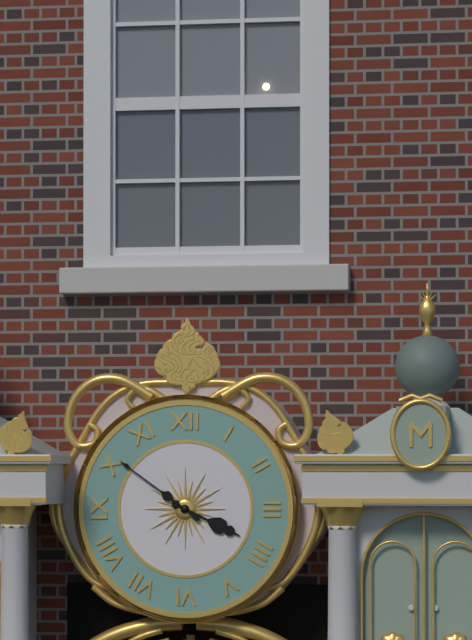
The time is 3h51
